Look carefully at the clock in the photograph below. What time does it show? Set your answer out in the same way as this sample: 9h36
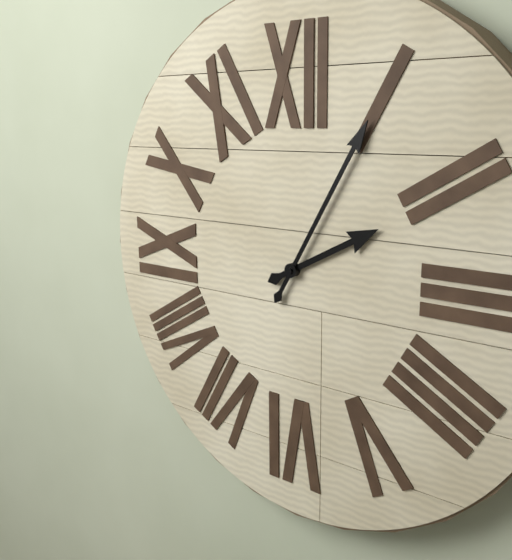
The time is 2h05
